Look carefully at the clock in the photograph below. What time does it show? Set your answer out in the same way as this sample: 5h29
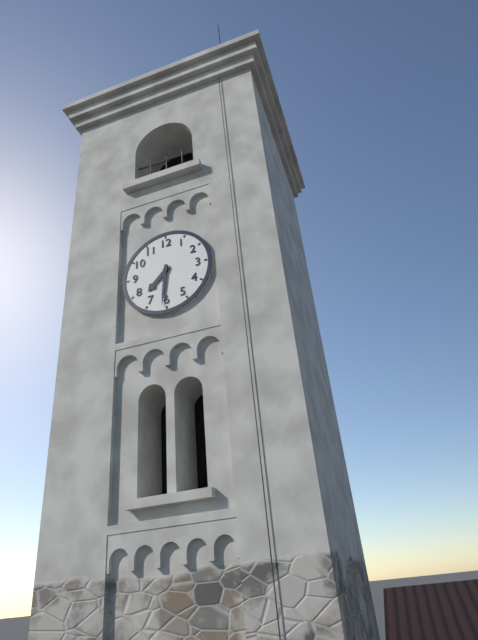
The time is 7h31
